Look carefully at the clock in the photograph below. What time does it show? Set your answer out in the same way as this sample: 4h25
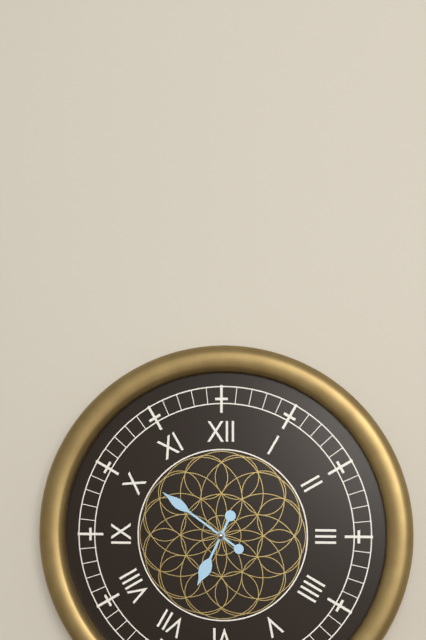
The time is 6h51
